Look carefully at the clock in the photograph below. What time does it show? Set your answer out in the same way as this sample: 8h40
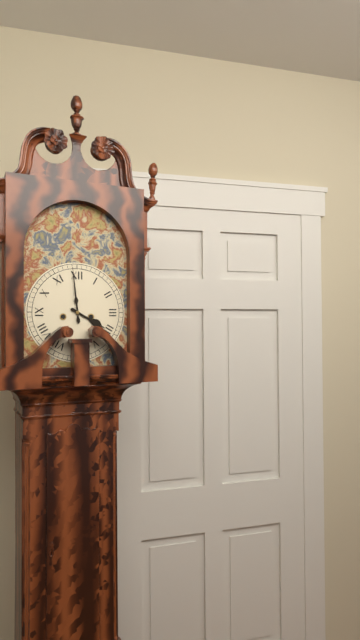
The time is 3h59
